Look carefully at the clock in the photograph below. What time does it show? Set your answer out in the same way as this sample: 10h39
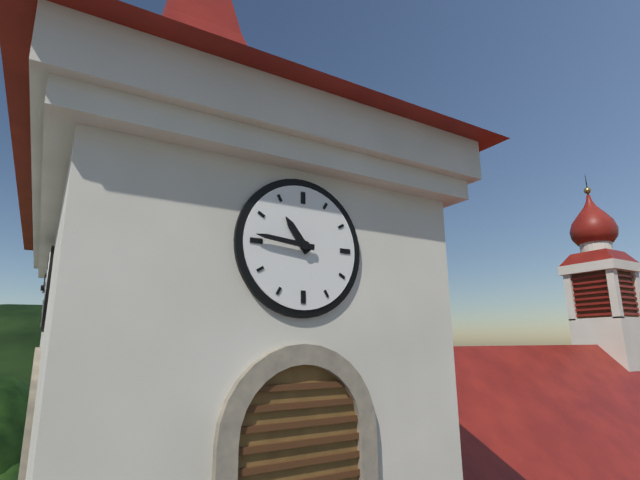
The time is 10h46
